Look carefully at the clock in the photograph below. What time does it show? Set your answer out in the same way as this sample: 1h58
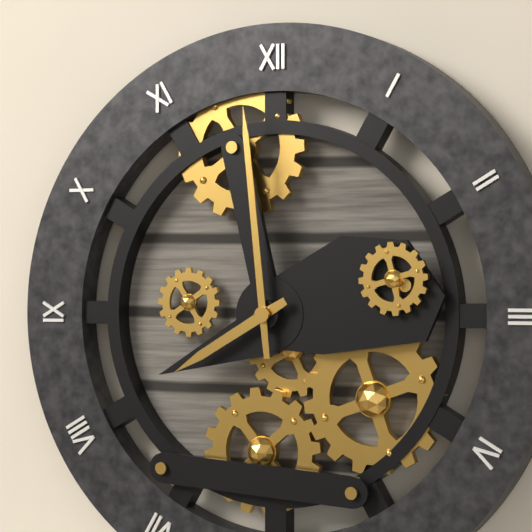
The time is 7h59
